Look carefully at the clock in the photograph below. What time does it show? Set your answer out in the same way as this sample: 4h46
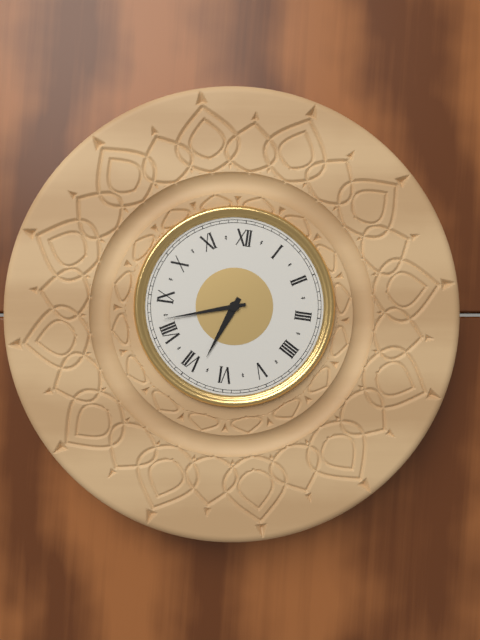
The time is 6h42
